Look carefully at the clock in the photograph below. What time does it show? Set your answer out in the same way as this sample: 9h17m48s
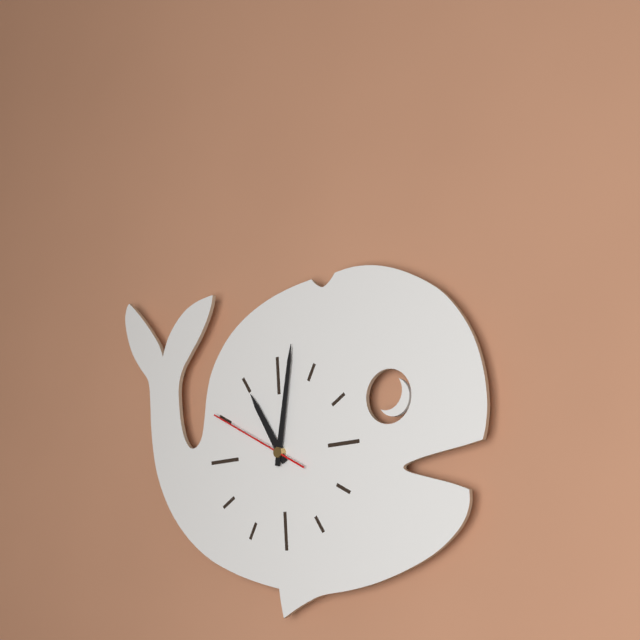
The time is 11h02m50s
